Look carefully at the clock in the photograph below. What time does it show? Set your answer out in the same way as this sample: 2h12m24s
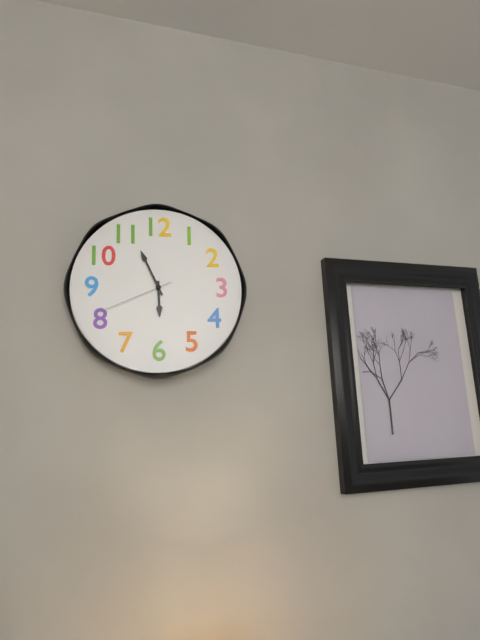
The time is 5h56m41s
